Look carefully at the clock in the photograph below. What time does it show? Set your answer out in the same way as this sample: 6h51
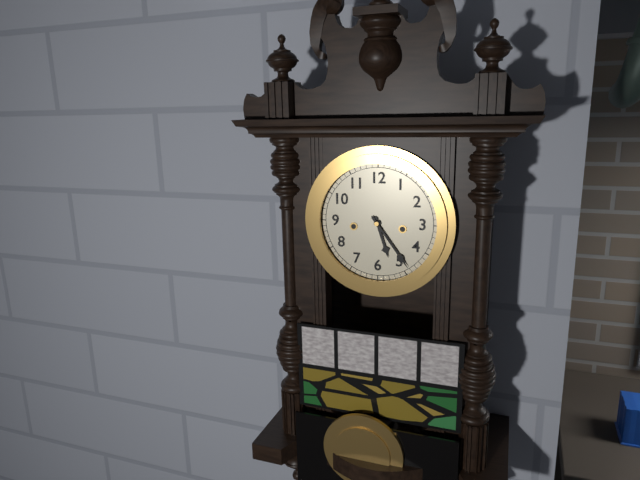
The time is 5h24
